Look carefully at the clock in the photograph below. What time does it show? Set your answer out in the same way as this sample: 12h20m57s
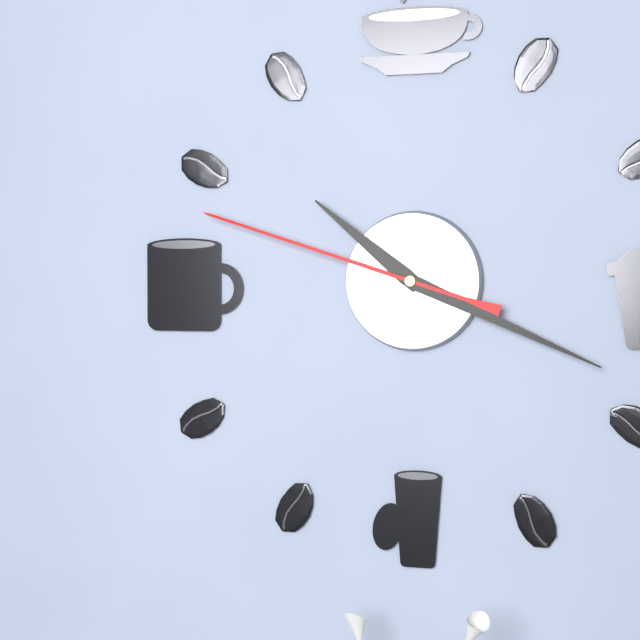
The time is 10h19m48s
